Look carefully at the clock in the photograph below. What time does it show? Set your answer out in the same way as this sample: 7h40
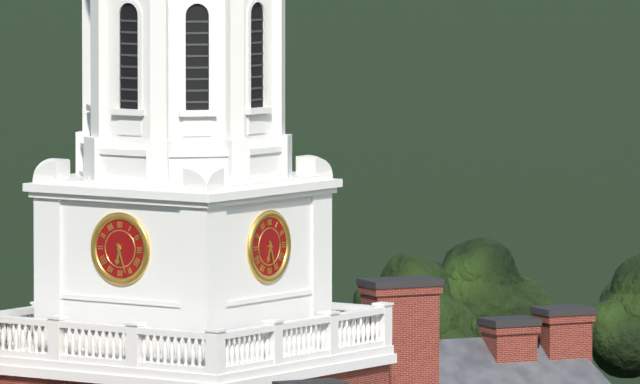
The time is 6h27
